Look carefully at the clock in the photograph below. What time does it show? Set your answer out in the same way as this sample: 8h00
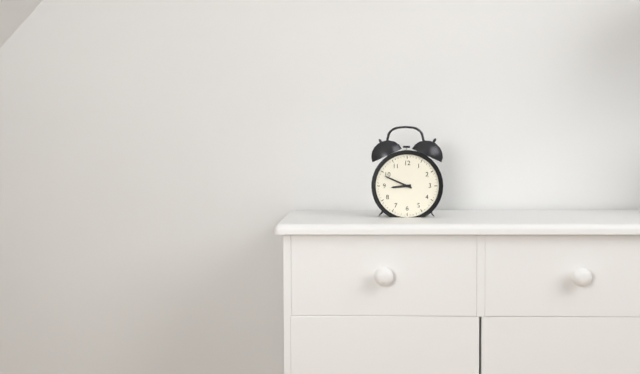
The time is 8h49
